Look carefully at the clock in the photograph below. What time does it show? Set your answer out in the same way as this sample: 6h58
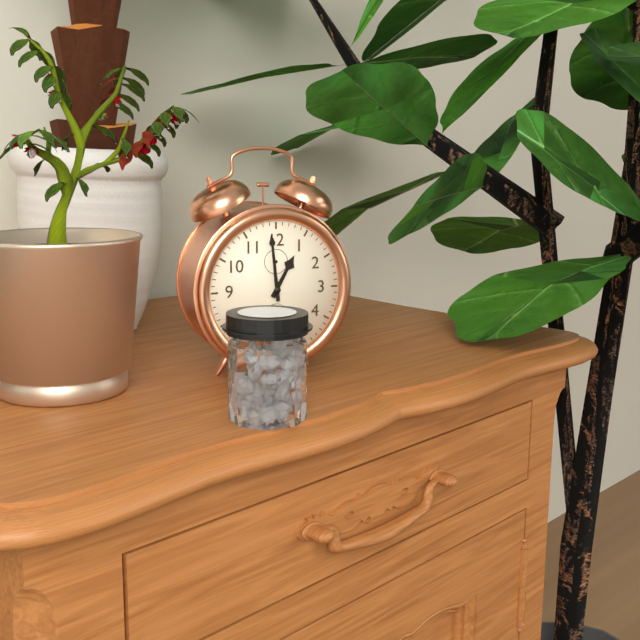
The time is 12h59
